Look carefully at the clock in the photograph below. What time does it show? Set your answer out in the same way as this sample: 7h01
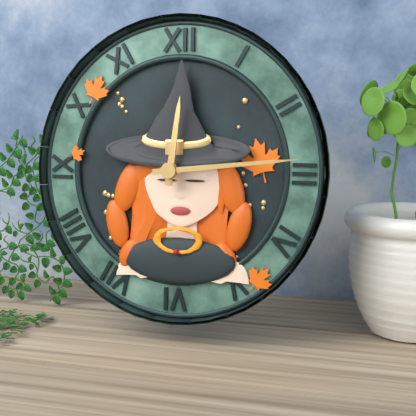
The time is 12h14
